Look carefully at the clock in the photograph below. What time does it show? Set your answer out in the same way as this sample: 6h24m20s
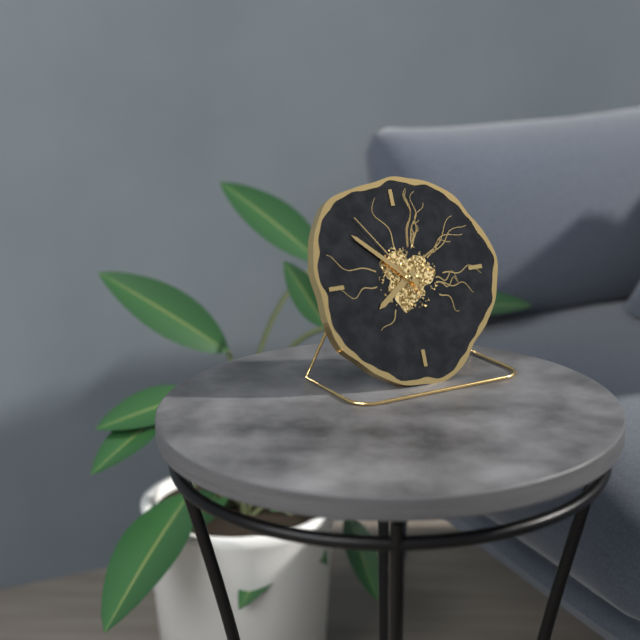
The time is 7h52m54s
